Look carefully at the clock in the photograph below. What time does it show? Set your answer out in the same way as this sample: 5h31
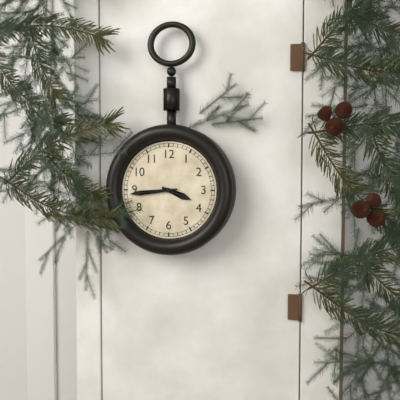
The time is 3h44
